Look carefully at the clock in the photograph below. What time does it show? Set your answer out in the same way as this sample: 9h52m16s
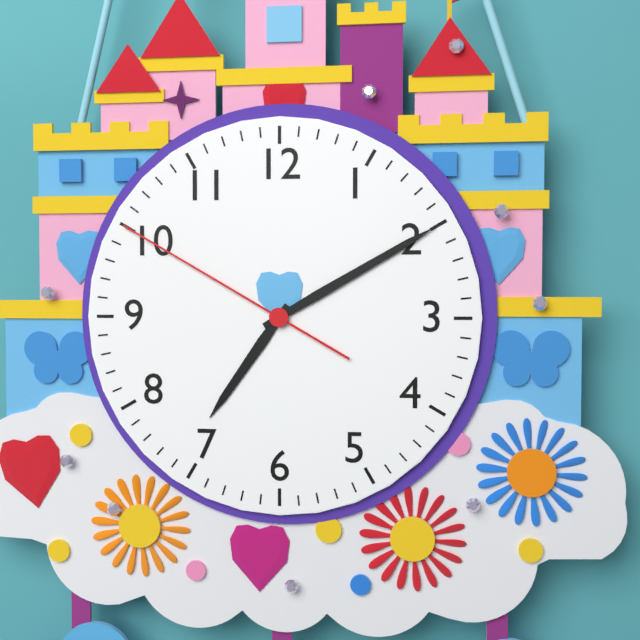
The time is 7h10m50s
